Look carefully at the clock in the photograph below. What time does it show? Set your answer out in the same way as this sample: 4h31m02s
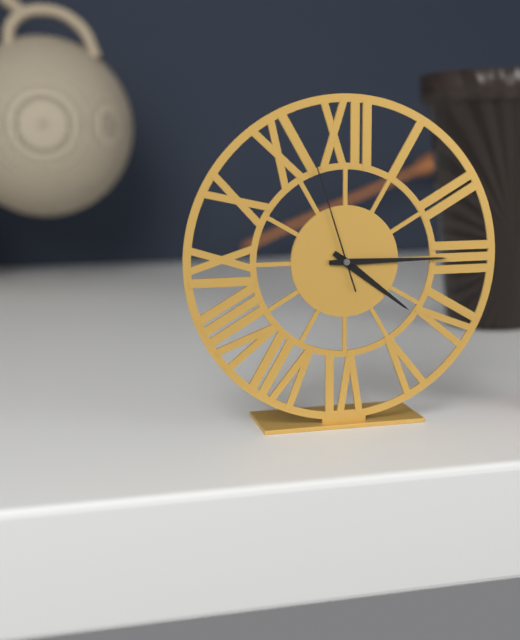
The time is 4h15m57s
